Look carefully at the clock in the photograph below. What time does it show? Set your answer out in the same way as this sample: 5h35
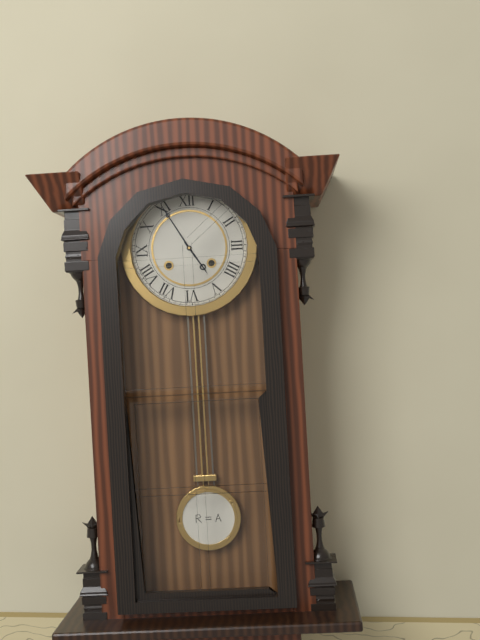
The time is 4h55
